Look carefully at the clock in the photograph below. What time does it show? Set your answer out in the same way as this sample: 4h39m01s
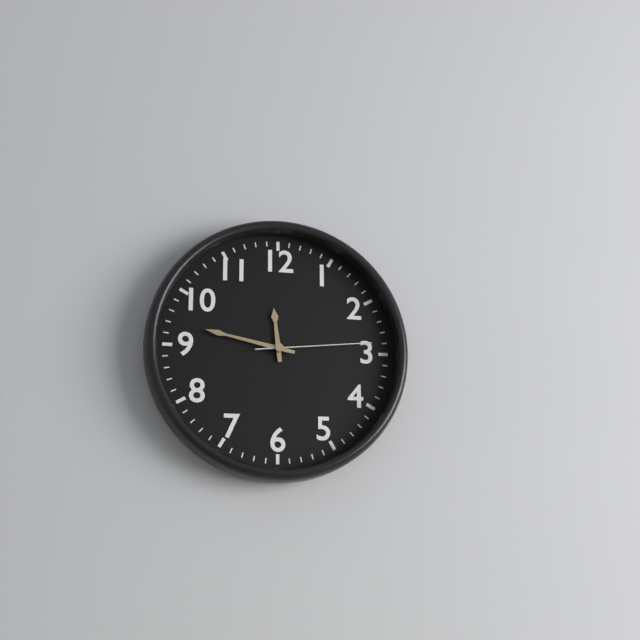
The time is 11h47m14s
